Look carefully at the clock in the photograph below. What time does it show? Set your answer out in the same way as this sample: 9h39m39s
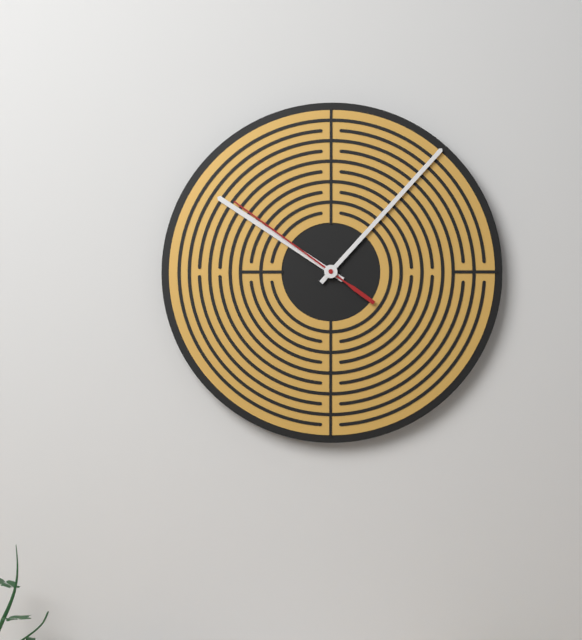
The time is 10h07m51s
